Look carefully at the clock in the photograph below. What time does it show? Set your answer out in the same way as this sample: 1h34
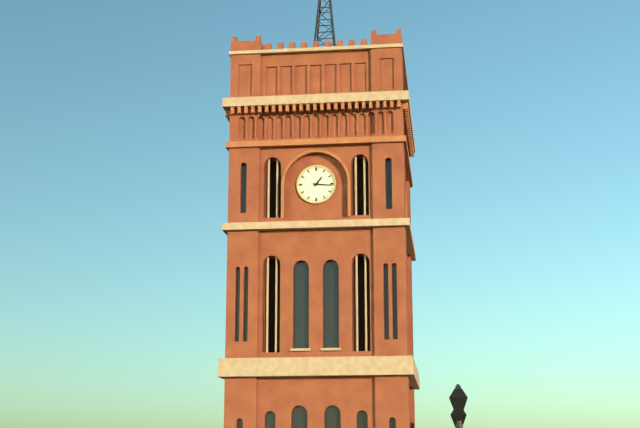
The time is 1h16
